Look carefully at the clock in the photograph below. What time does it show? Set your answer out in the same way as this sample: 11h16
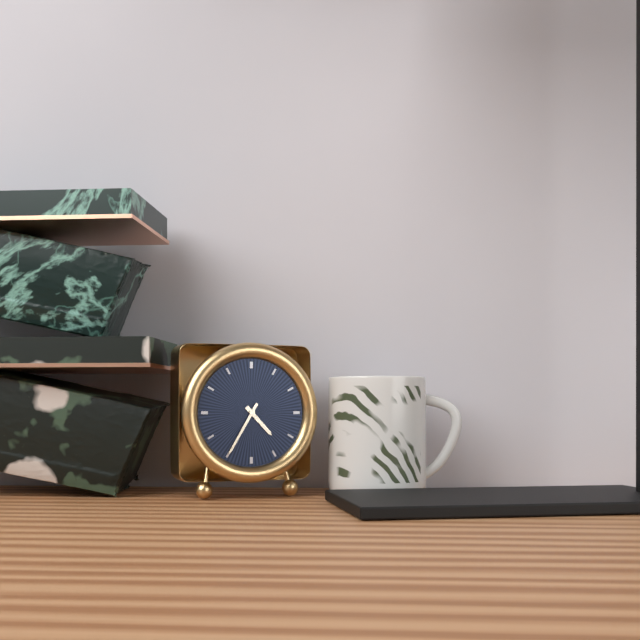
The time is 4h35
